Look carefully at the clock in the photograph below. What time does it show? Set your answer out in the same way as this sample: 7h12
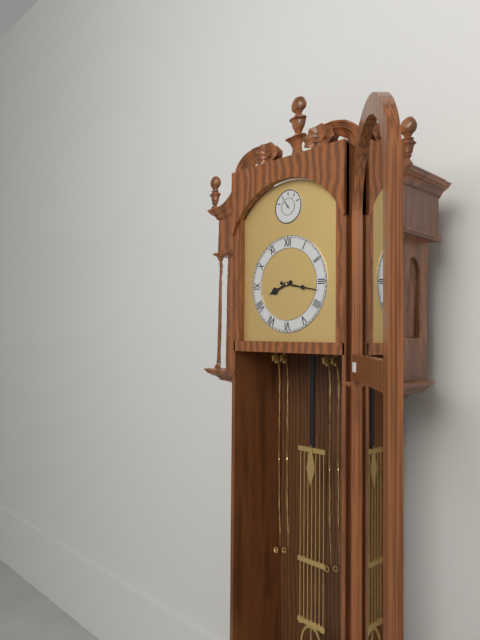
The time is 8h17
